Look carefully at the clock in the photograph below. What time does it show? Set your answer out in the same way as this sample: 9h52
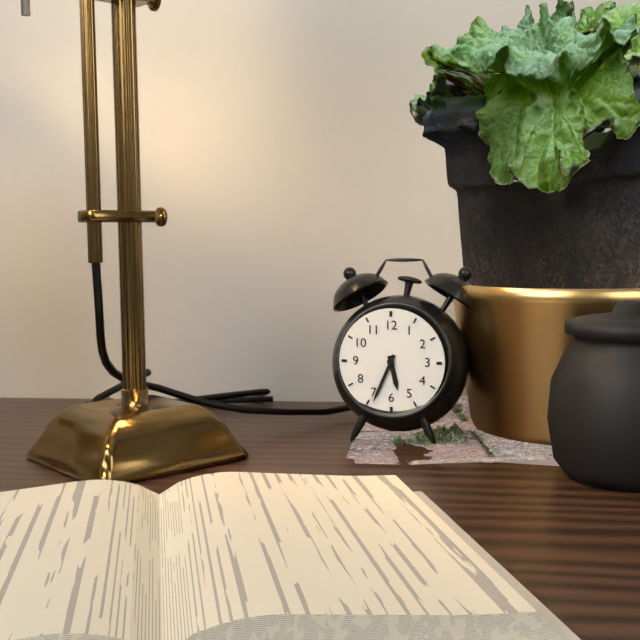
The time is 5h34
